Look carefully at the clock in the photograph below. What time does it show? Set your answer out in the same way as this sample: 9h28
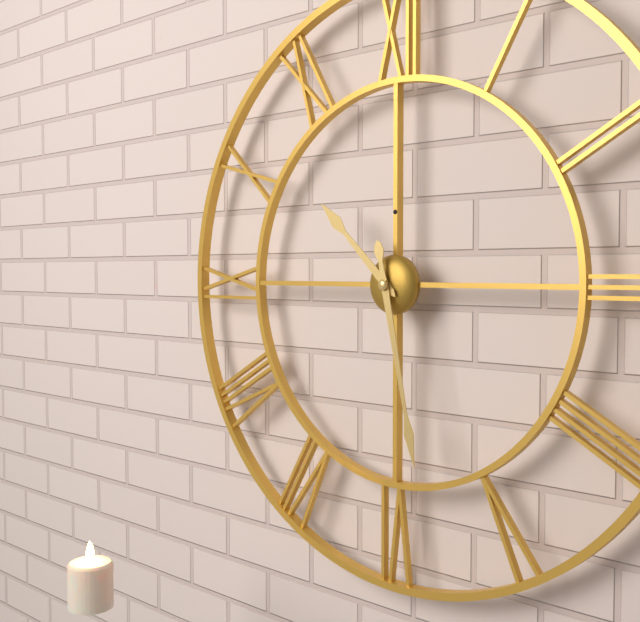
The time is 10h28
